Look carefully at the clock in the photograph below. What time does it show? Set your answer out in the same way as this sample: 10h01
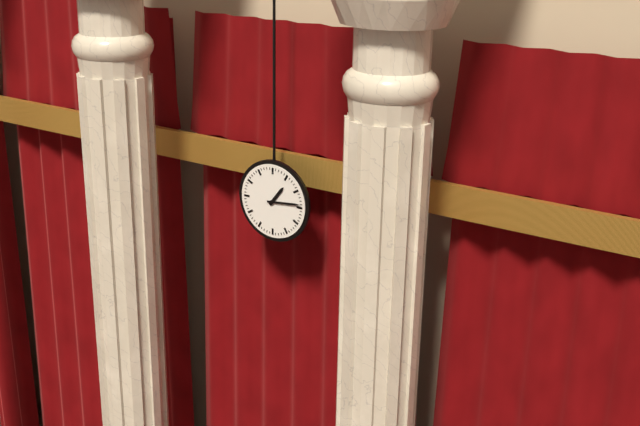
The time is 1h14
